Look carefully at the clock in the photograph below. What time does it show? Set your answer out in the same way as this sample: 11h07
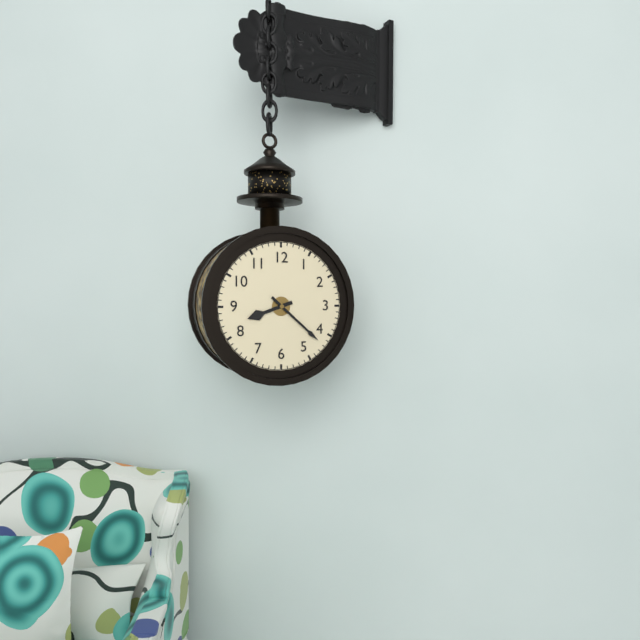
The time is 8h22
